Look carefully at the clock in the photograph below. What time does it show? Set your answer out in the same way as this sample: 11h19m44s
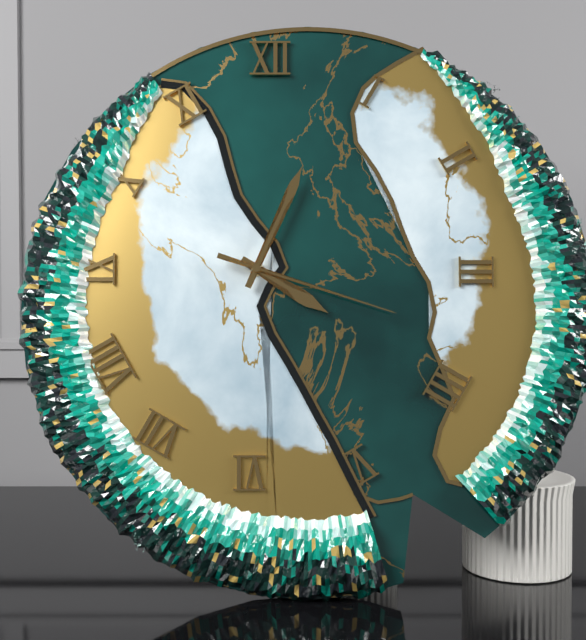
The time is 4h04m18s
